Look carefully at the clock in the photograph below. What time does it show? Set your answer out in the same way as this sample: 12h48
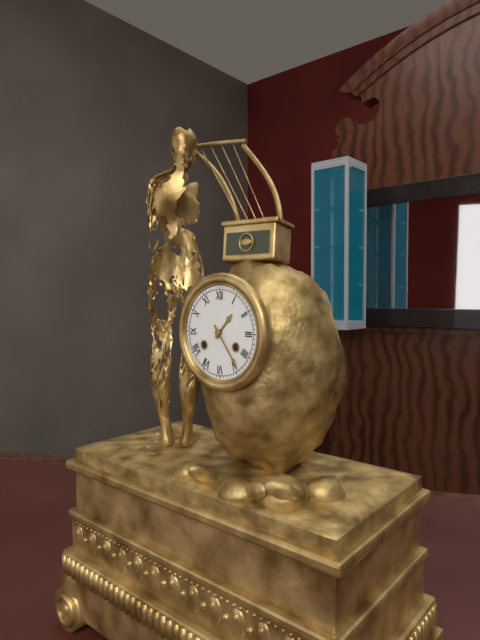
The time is 1h24
